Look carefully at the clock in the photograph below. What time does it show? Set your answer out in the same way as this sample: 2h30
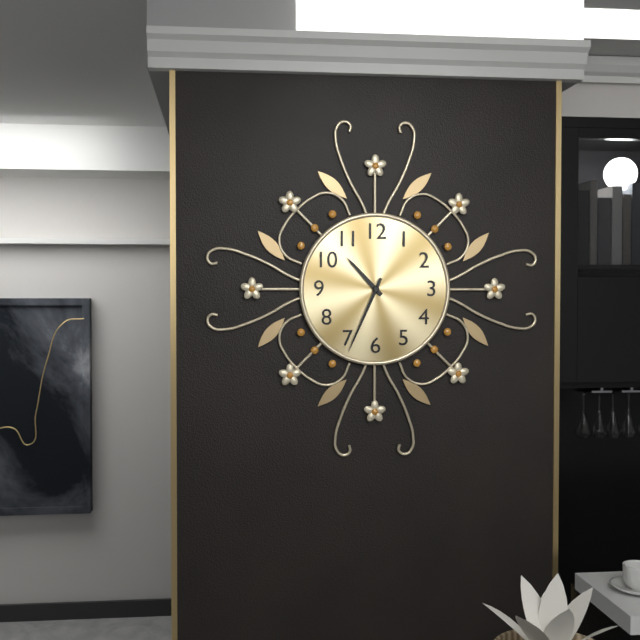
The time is 10h34
